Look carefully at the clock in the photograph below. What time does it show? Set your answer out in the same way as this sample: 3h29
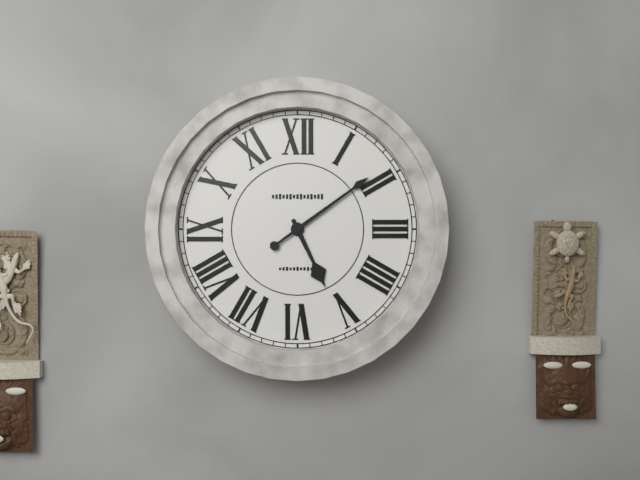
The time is 5h09
